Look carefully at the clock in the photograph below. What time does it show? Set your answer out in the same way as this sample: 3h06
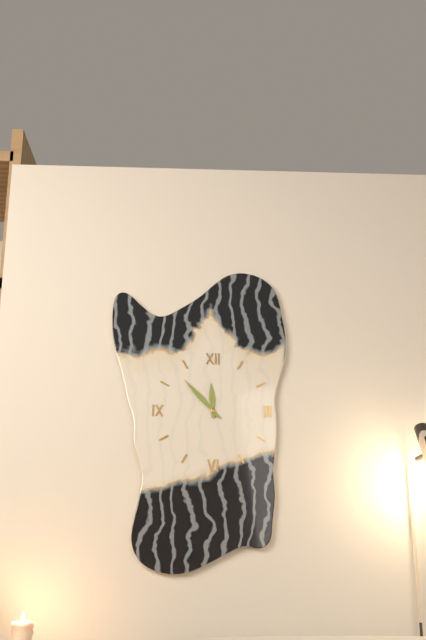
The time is 11h53
